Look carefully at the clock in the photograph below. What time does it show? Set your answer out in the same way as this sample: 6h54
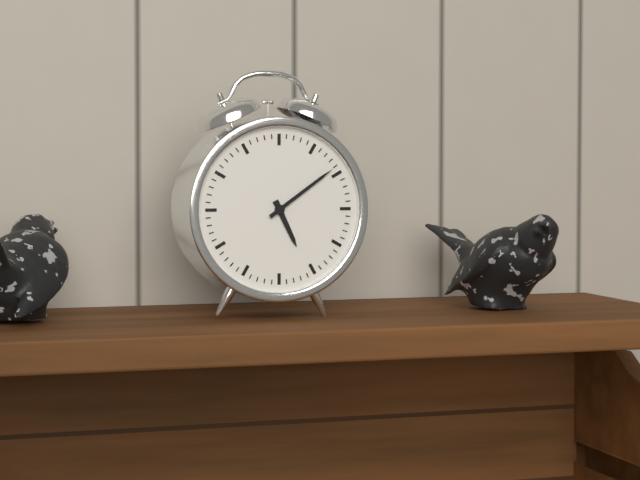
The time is 5h09
